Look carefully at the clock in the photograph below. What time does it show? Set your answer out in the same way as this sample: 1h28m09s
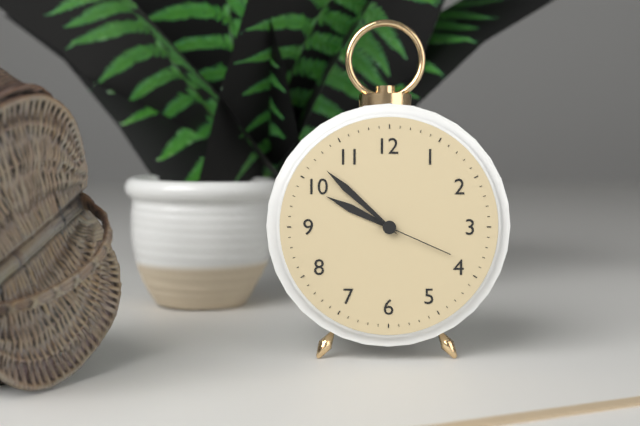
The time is 9h52m19s
